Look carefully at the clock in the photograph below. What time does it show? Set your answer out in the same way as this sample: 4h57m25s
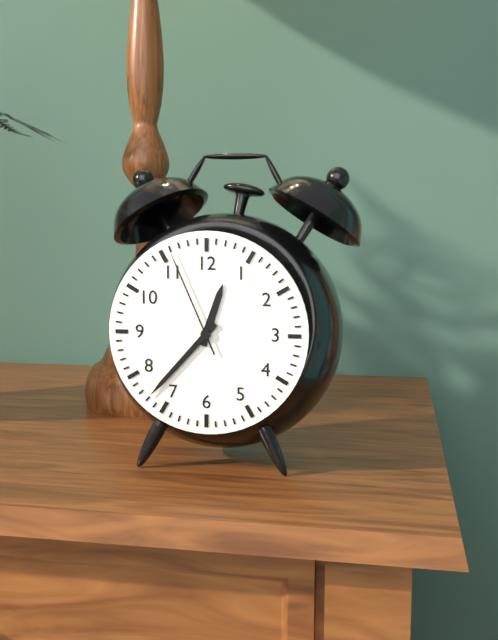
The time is 12h37m56s
